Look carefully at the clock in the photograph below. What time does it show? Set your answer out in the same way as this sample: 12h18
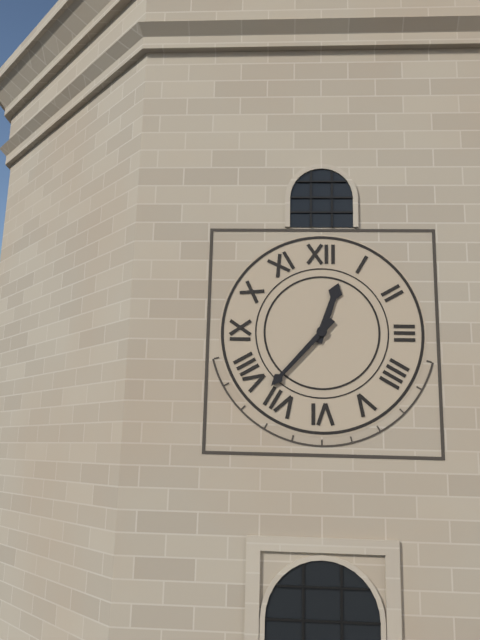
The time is 12h37
